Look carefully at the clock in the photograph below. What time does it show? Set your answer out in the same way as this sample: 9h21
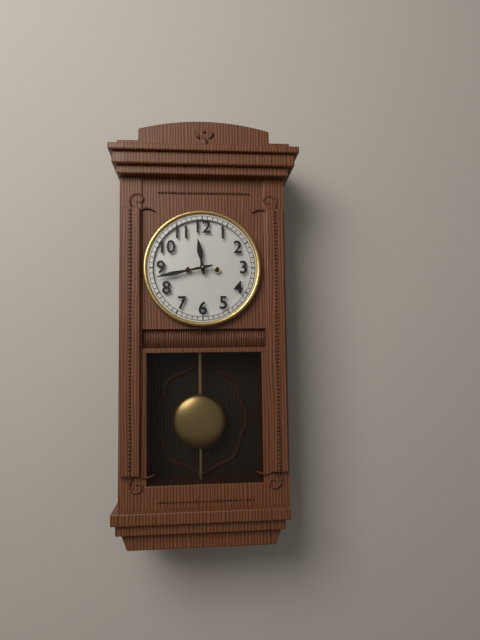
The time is 11h43
